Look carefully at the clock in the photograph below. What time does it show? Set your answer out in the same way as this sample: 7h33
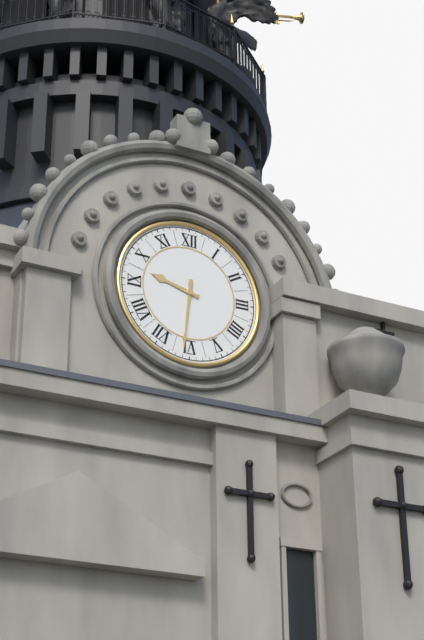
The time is 9h31
